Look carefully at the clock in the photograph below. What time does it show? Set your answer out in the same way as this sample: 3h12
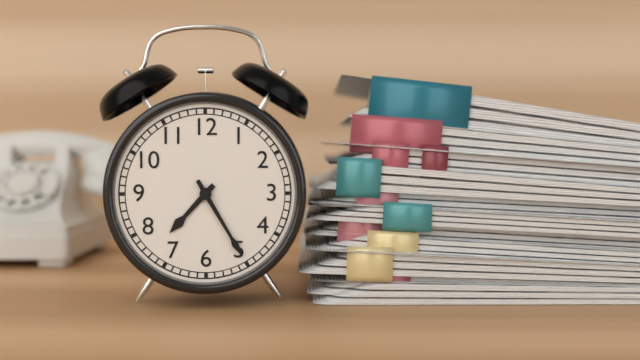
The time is 7h25
